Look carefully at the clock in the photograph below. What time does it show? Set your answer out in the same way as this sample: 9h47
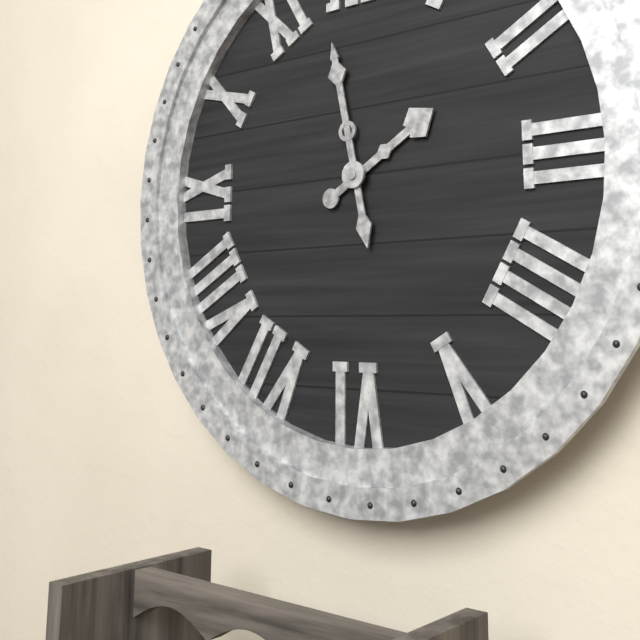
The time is 1h58
